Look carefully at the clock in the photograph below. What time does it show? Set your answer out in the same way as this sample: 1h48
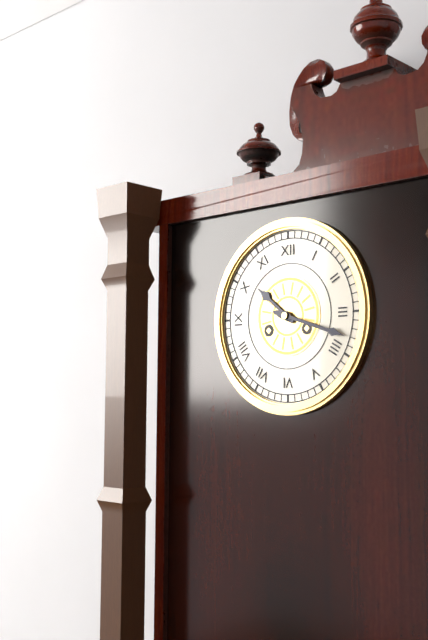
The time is 10h18
